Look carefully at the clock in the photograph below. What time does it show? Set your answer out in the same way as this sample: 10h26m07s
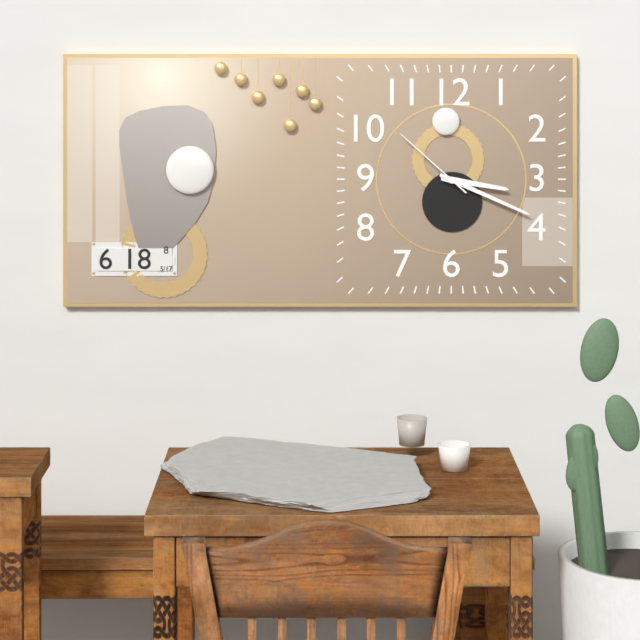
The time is 3h19m52s
